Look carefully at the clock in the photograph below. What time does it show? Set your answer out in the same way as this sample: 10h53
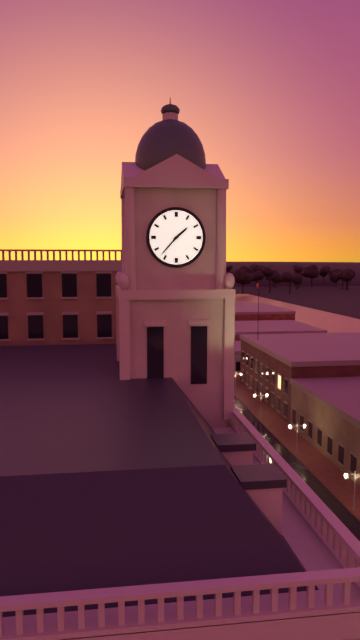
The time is 1h37
